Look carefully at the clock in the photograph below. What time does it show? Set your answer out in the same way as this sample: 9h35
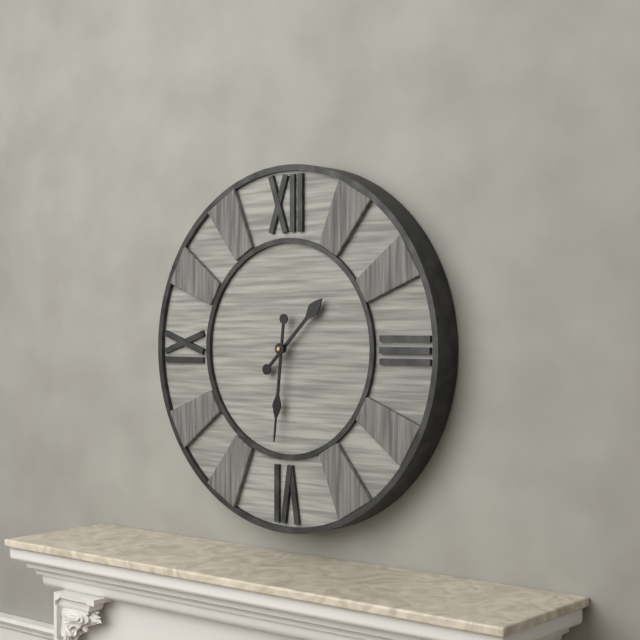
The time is 1h31
